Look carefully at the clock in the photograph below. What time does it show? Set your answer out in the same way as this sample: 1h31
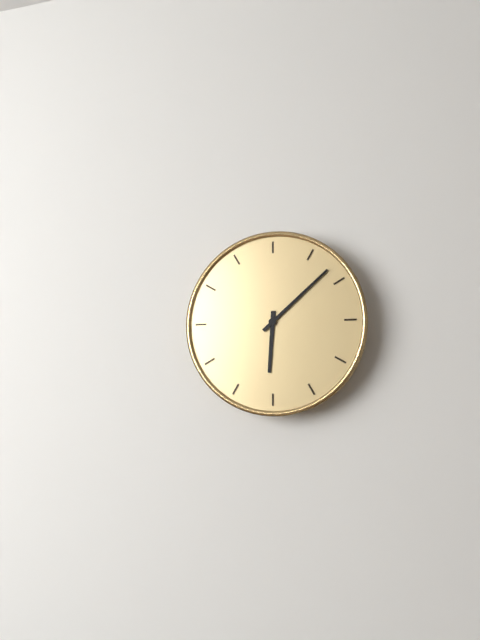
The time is 6h08
